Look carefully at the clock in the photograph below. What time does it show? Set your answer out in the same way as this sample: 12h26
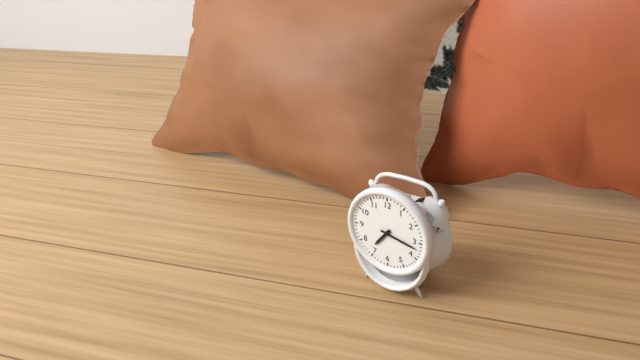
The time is 7h17
